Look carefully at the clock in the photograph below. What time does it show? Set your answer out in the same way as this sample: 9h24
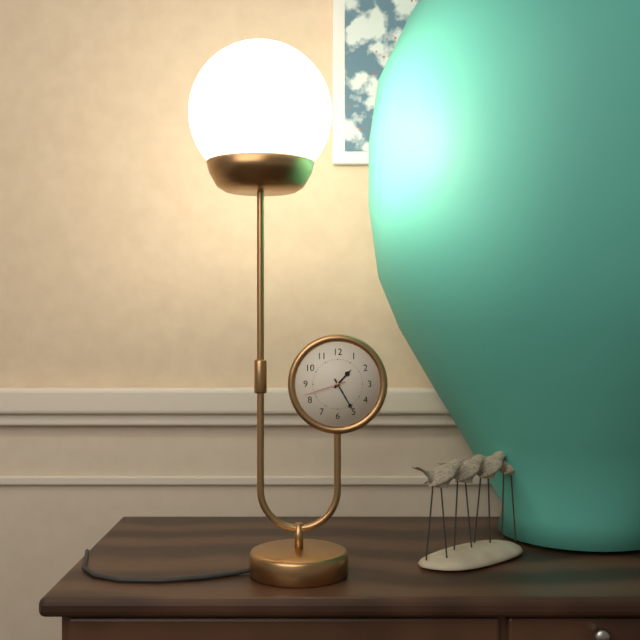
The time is 1h25
